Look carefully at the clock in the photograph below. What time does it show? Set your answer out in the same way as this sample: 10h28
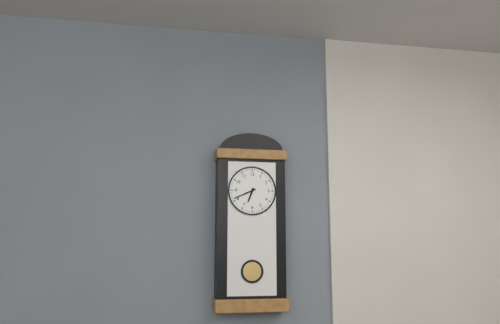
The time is 6h41
